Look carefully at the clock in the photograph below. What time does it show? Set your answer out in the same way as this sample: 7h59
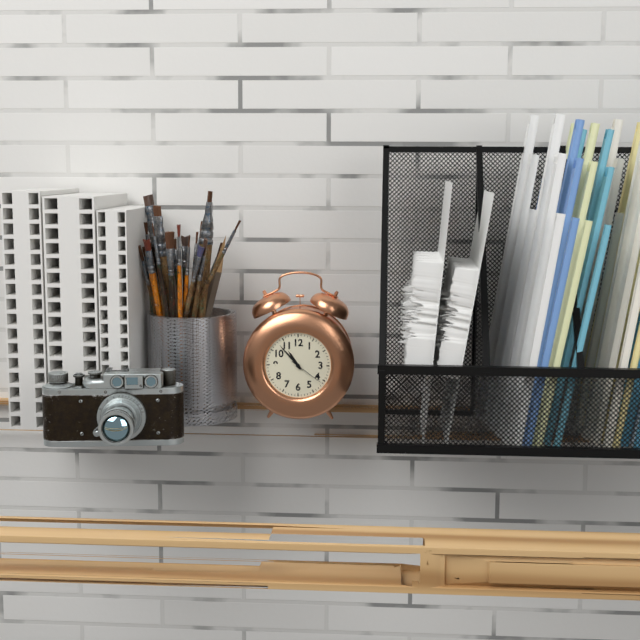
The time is 10h53
